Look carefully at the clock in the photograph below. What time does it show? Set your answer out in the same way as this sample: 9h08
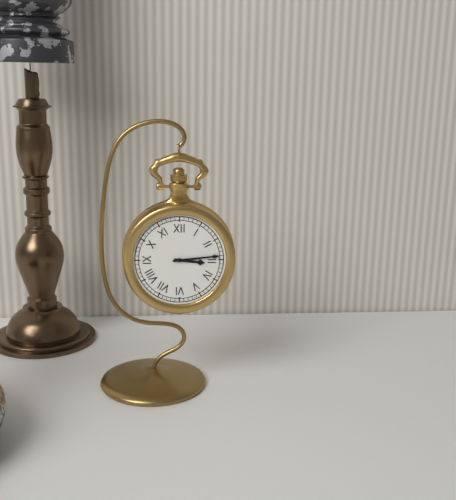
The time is 3h14
